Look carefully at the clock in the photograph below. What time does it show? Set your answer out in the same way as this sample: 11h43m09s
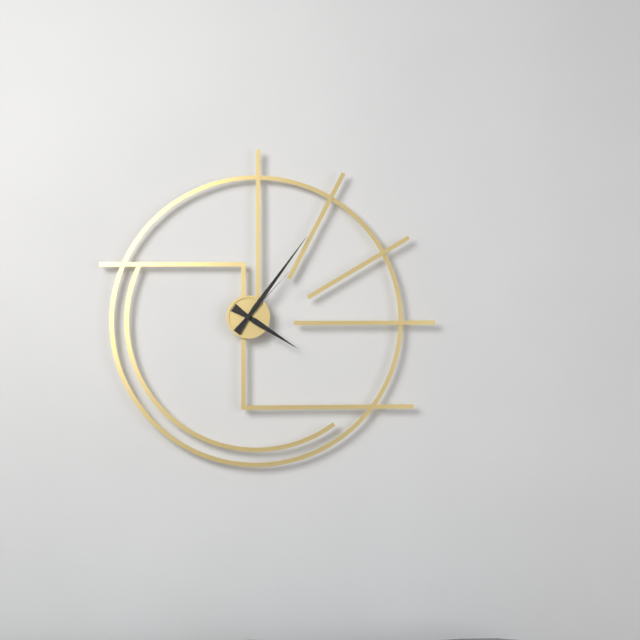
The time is 4h06m07s
